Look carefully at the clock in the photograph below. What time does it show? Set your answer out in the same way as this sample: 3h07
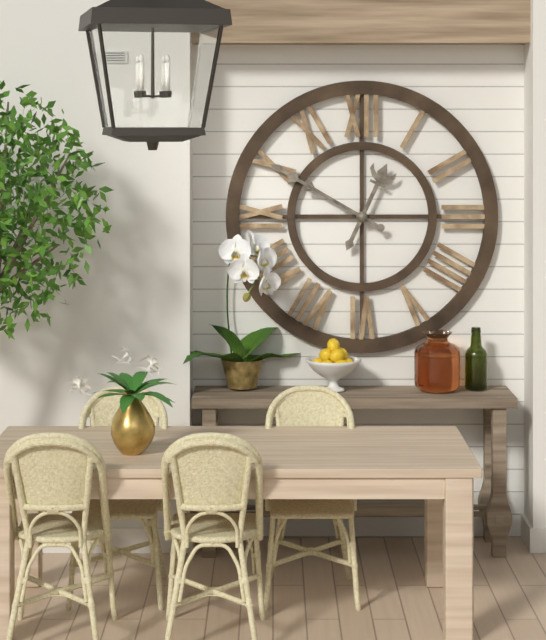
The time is 12h50
